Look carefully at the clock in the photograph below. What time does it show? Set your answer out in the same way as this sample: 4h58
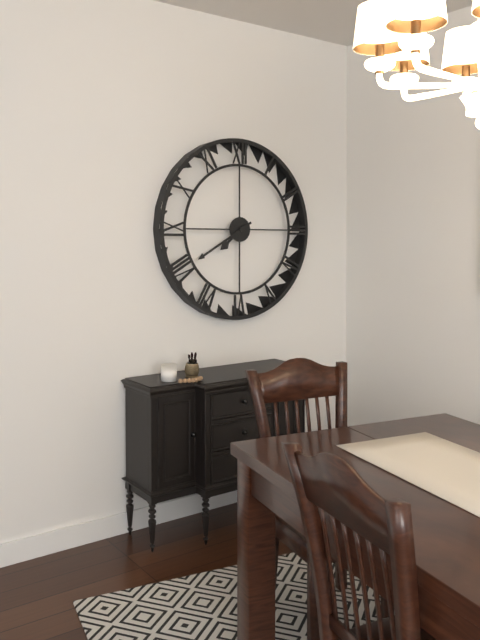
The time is 7h40
